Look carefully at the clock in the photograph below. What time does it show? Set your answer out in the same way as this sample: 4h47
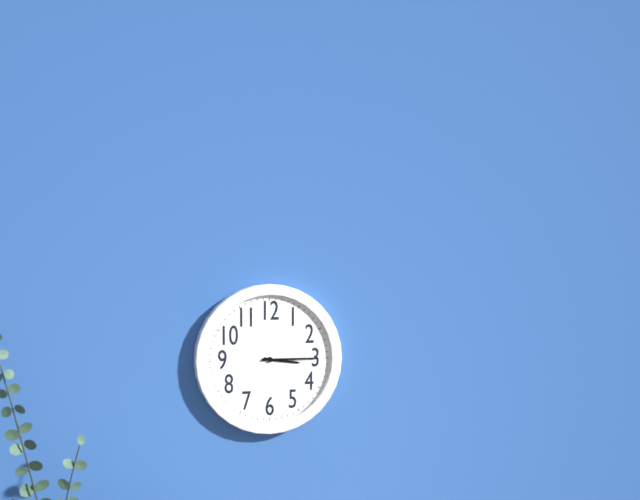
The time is 3h15
